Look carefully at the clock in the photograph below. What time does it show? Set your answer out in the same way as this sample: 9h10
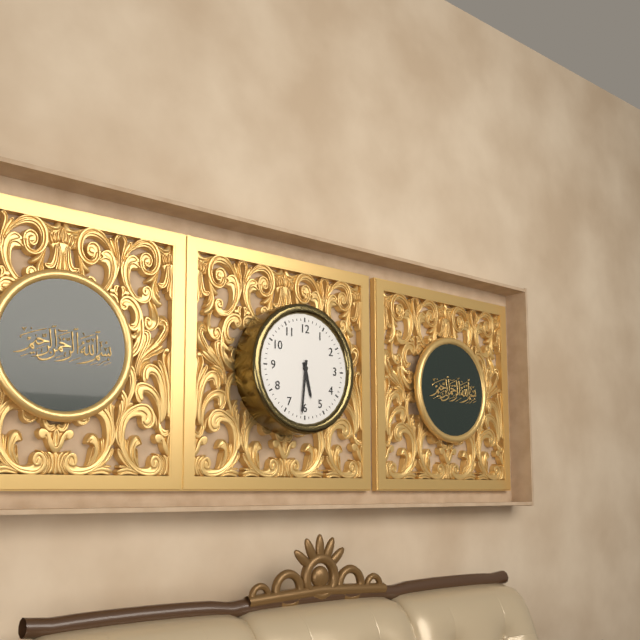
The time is 5h31
